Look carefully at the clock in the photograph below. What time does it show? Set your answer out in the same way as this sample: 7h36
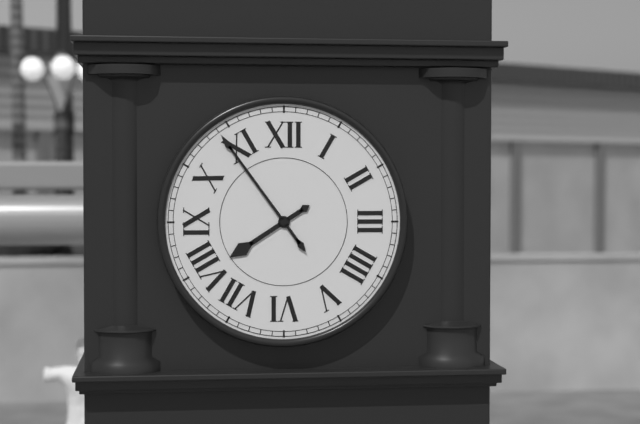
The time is 7h54
